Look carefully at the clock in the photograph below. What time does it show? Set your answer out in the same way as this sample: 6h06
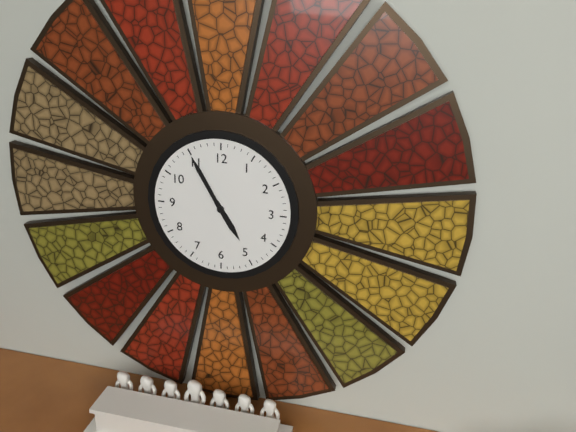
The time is 4h55
